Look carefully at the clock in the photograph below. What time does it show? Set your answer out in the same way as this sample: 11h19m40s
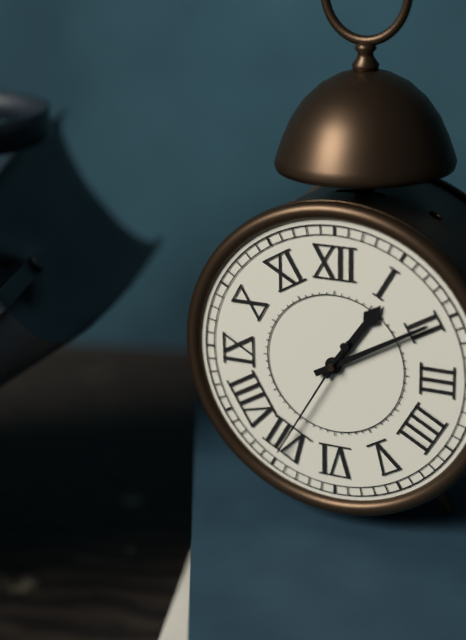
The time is 1h10m35s
